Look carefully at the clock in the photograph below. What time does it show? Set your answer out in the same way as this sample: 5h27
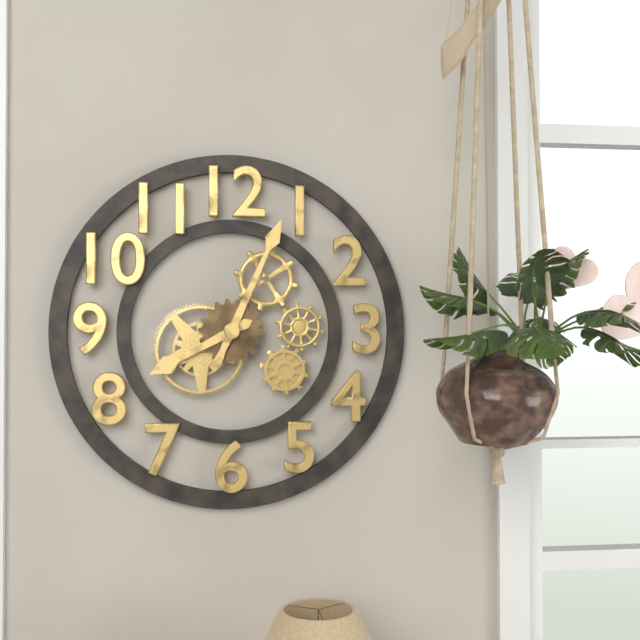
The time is 8h04
